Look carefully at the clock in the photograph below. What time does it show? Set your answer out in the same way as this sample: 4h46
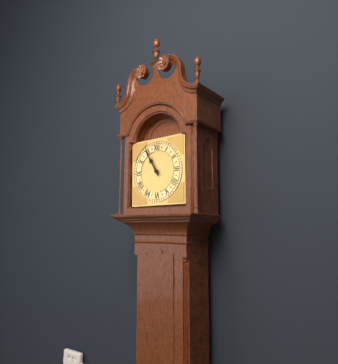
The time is 10h55
